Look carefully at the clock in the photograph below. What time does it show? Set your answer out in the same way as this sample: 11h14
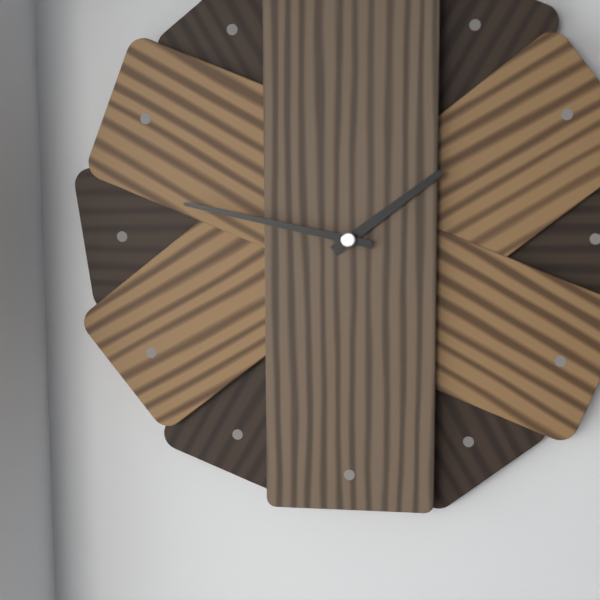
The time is 1h47
